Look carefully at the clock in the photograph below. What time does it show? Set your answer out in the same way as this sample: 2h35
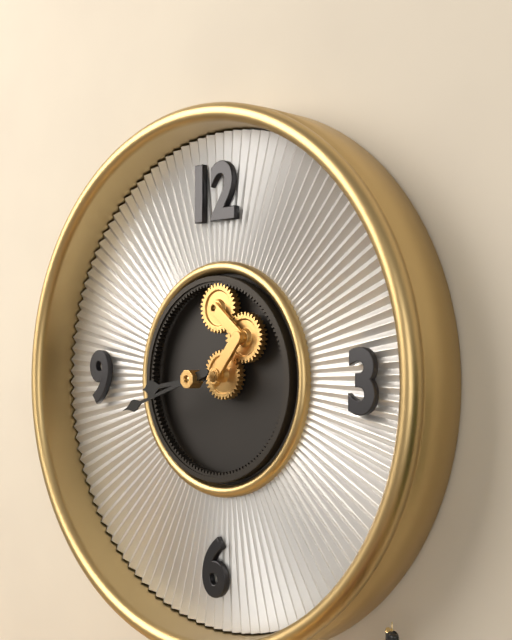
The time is 8h42
